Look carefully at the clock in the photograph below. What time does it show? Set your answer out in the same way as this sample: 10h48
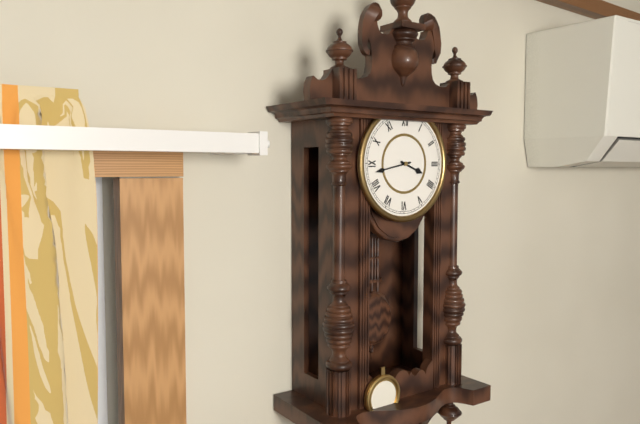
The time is 3h43
